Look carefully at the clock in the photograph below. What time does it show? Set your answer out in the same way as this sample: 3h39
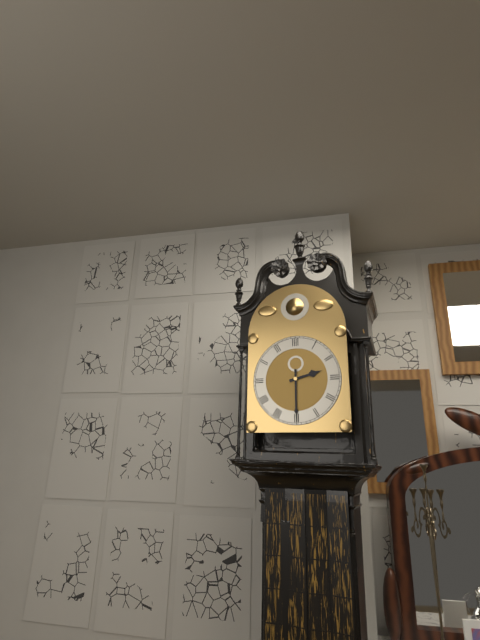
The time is 2h30
